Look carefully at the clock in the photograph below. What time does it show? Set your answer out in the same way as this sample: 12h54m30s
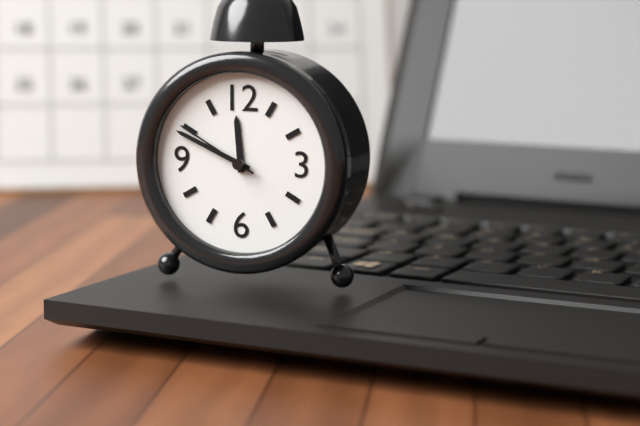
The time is 11h49m50s
